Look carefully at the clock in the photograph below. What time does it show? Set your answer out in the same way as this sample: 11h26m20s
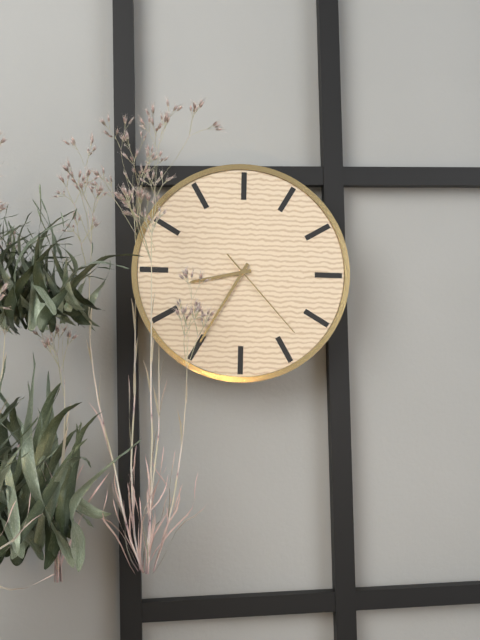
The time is 8h35m23s
